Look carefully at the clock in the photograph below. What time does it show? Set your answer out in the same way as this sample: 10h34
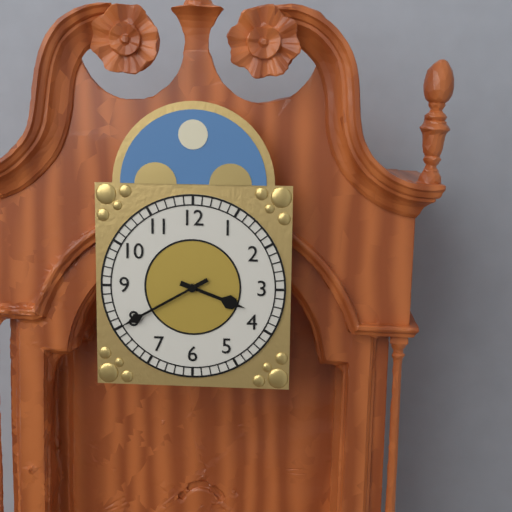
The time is 3h40
